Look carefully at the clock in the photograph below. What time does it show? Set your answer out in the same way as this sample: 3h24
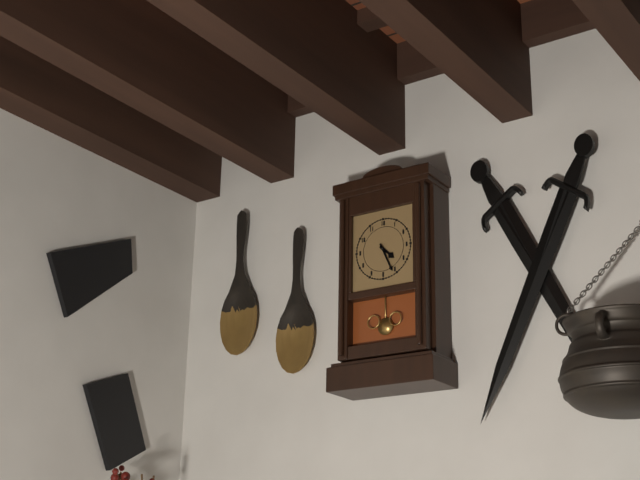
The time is 4h26
